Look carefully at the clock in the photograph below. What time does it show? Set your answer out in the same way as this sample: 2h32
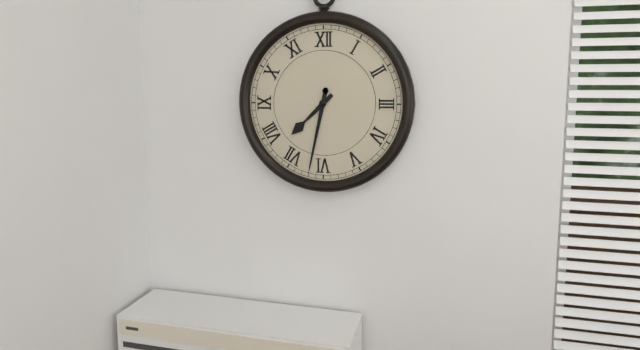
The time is 7h32
